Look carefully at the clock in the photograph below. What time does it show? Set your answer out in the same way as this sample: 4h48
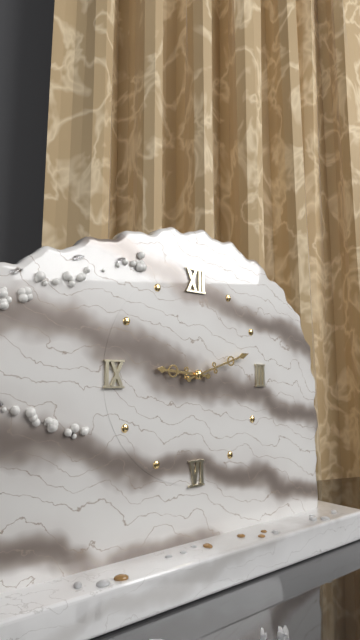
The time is 9h12
